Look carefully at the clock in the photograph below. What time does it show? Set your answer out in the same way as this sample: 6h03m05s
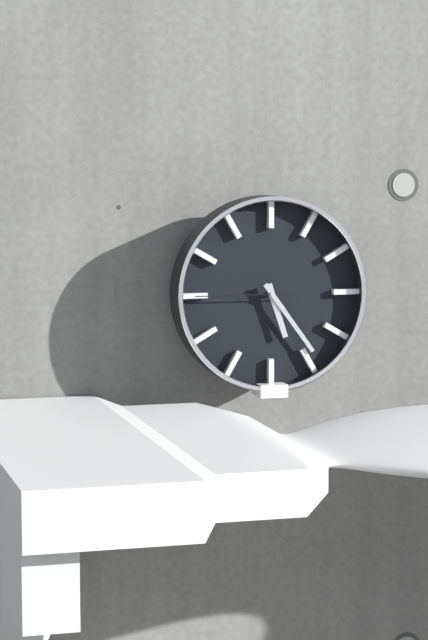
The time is 5h24m45s
